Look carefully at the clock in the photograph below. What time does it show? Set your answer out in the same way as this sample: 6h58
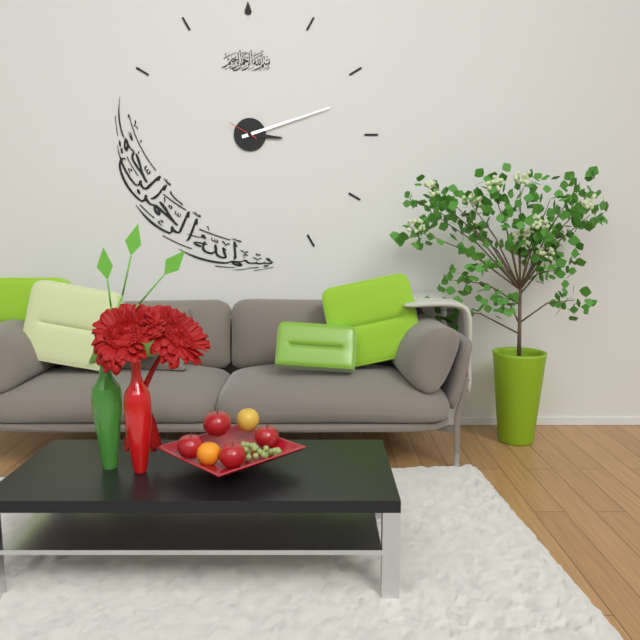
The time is 3h12
